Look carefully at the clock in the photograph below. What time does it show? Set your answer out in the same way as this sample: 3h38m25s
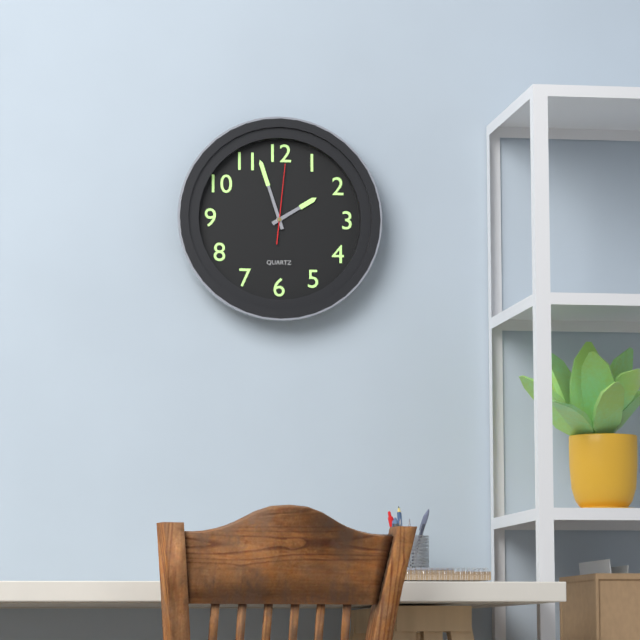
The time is 1h57m01s
